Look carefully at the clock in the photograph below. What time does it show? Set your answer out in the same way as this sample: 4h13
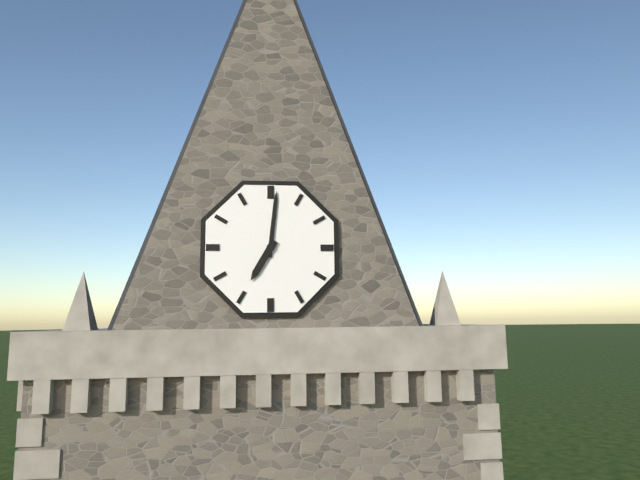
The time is 7h01
